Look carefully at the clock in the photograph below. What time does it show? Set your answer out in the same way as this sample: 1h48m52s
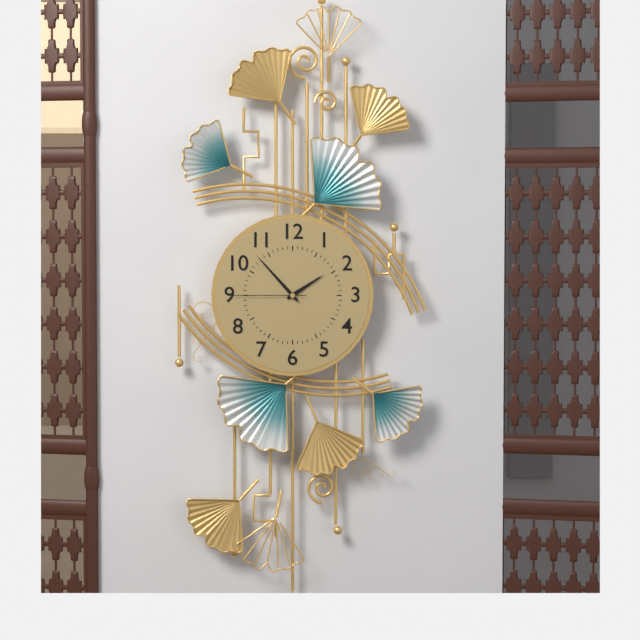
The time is 1h53m45s
